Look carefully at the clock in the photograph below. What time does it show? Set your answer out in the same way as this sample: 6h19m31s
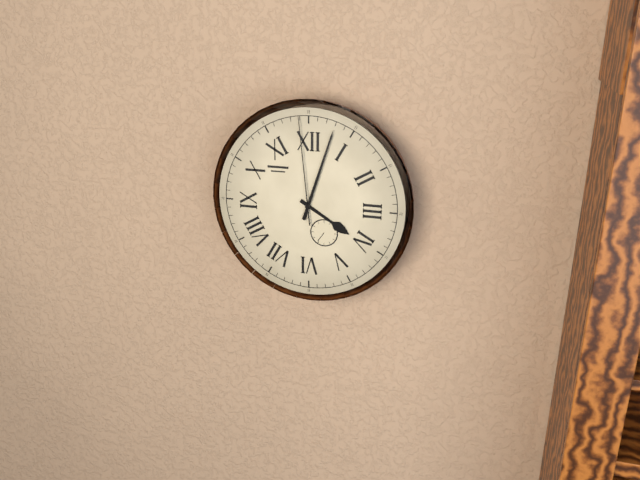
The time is 4h03m59s
